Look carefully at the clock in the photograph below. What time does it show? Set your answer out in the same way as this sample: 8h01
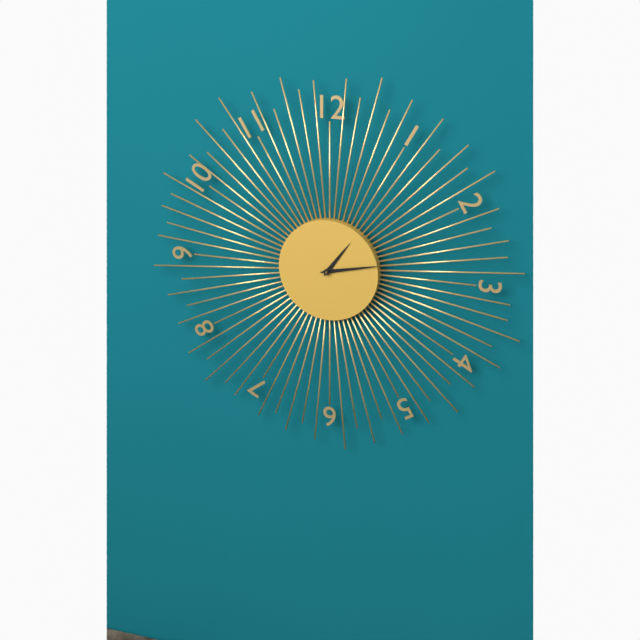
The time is 1h13
